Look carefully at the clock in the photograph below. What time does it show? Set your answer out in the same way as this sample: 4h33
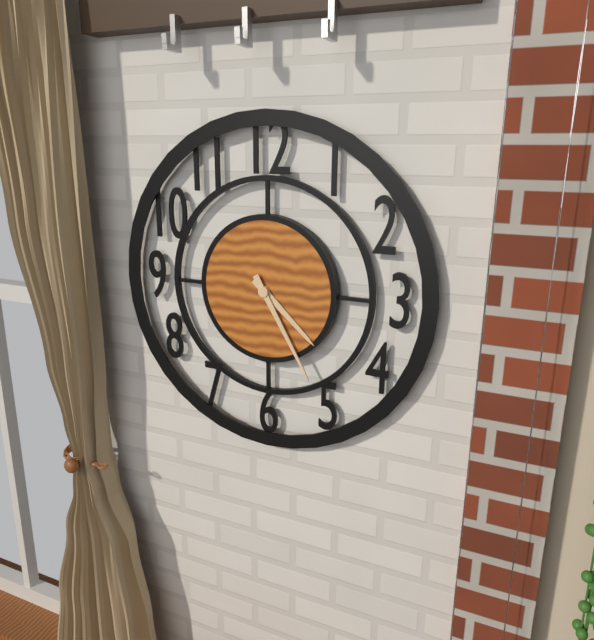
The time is 4h25
